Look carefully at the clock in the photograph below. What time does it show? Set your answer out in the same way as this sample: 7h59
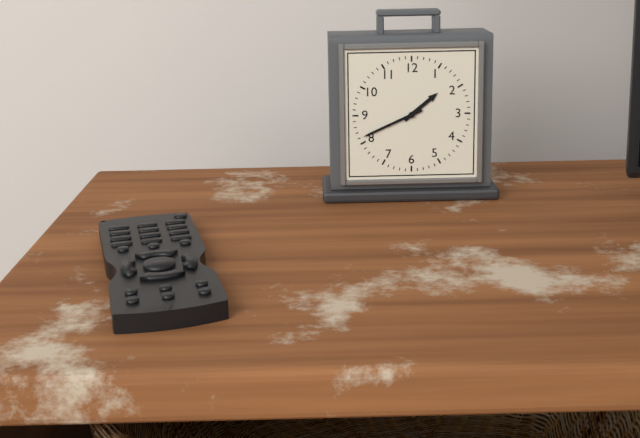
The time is 1h41
